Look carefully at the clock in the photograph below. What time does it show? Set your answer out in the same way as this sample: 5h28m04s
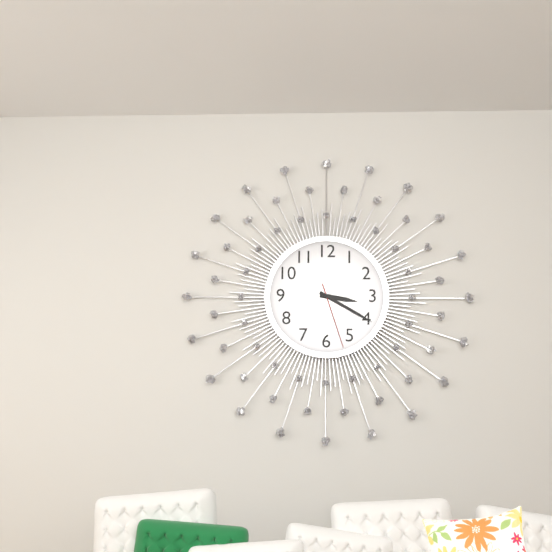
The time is 3h20m27s
